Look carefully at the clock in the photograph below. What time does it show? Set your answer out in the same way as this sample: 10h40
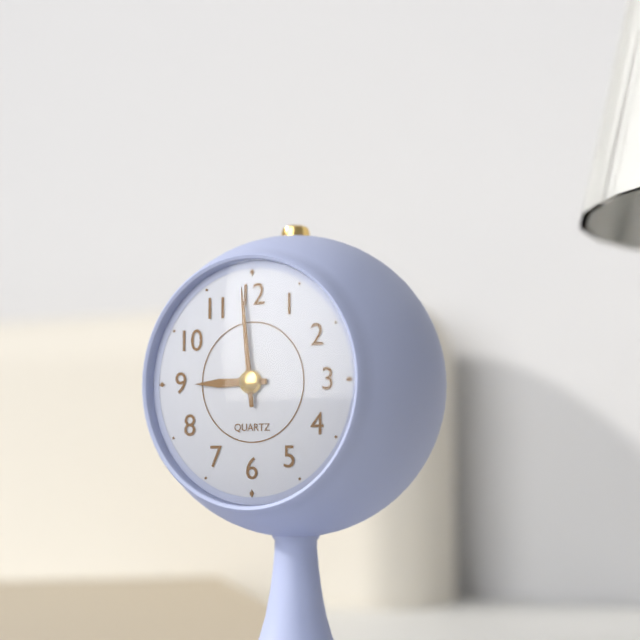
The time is 8h59
